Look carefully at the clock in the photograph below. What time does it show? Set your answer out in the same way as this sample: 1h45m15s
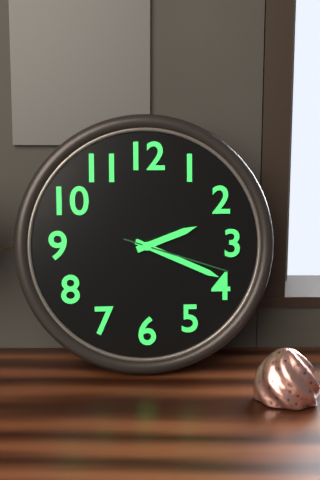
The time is 2h19m18s
